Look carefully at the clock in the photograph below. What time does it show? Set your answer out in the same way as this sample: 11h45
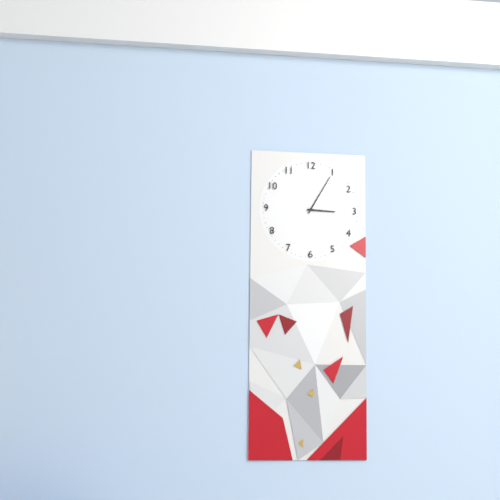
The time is 3h05
